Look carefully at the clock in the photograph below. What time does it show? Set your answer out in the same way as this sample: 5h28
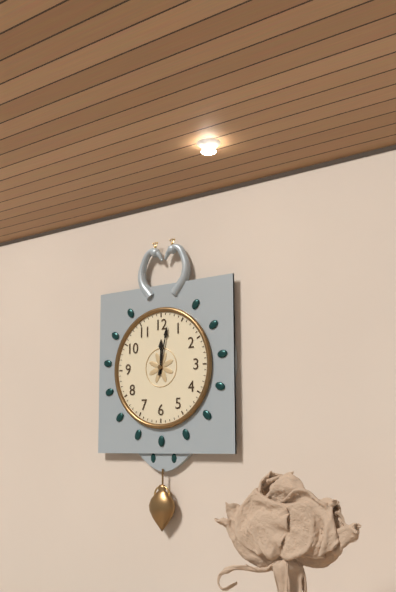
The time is 12h02
